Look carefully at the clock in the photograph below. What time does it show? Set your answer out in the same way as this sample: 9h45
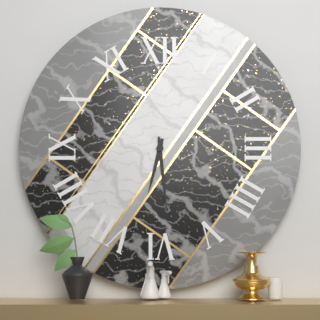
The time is 6h29
